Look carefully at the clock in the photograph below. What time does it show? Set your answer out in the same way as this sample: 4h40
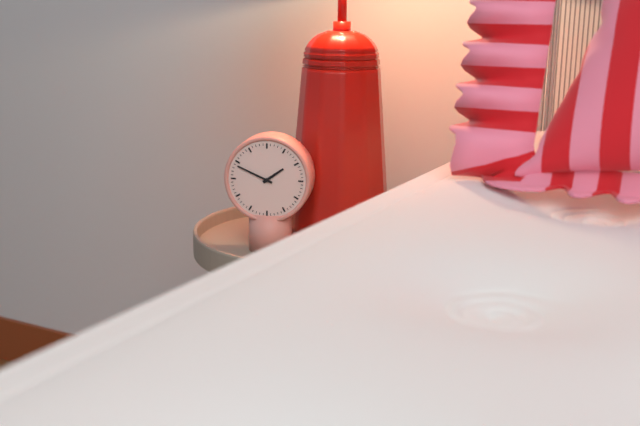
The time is 1h49
